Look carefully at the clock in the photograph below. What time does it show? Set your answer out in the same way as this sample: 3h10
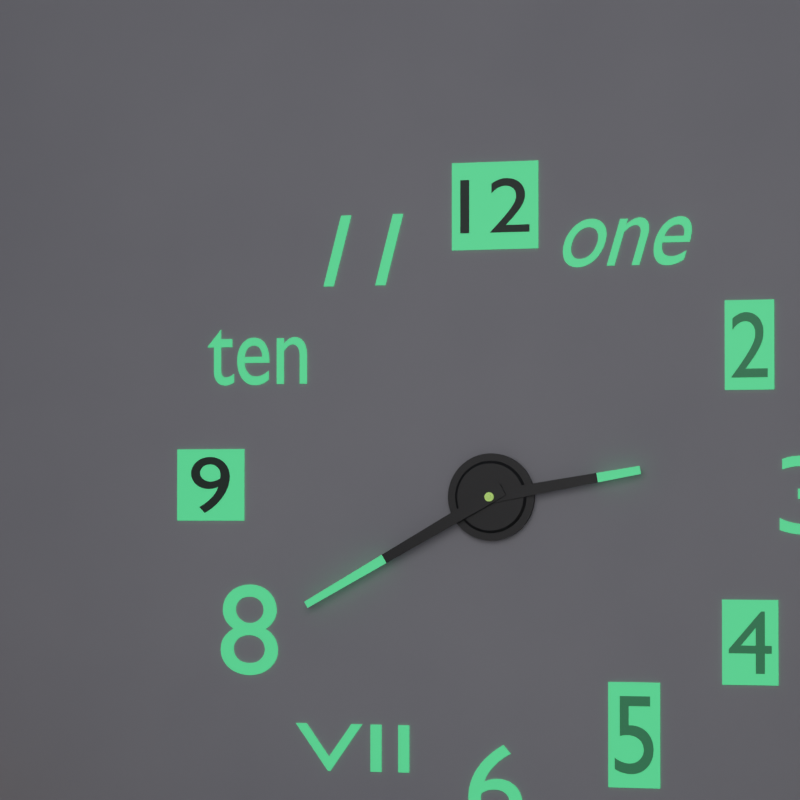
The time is 2h40
